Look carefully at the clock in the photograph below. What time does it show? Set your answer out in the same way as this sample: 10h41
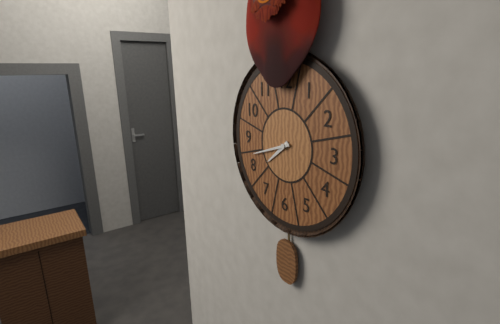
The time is 7h42
